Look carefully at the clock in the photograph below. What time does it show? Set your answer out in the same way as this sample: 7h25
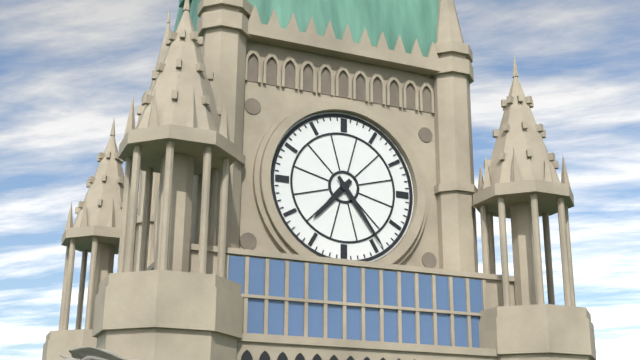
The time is 7h24
